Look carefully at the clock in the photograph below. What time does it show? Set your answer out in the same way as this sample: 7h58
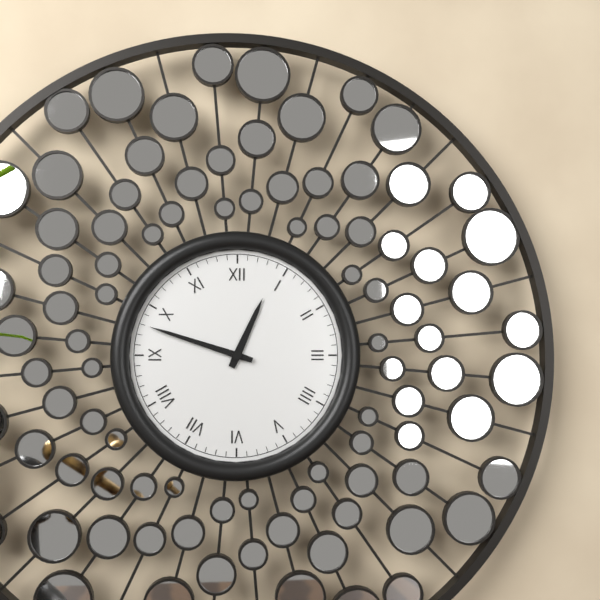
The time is 12h48
